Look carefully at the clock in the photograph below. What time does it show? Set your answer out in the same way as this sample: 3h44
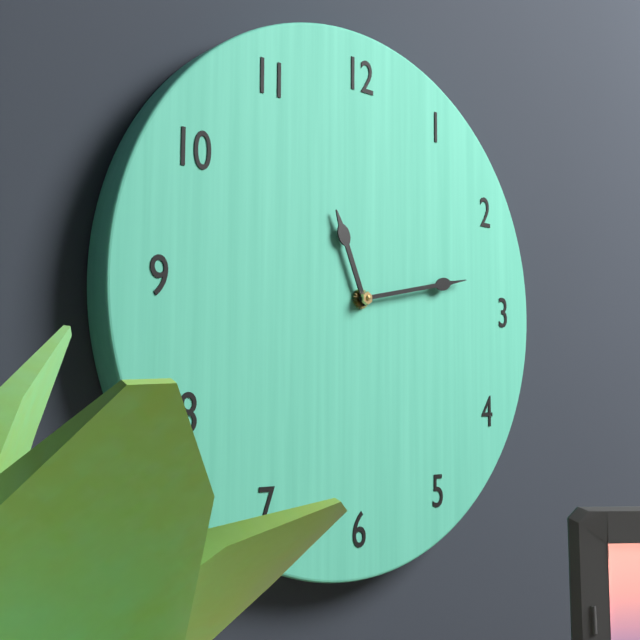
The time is 11h13
